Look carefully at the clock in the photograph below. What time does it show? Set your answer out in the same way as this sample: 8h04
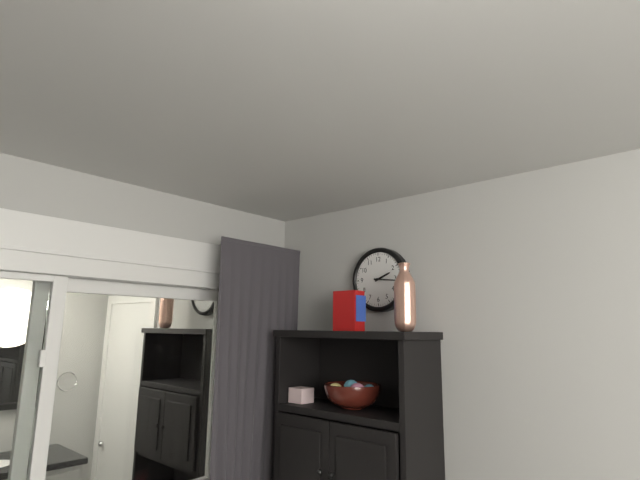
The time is 2h16
